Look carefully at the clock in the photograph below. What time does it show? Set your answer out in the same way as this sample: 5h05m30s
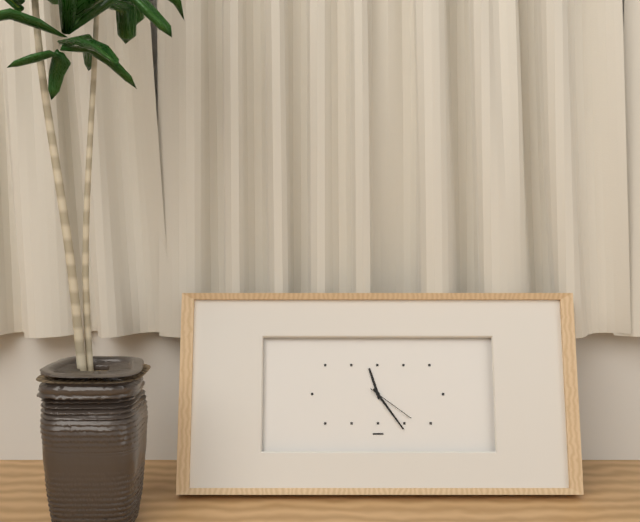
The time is 11h24m21s
